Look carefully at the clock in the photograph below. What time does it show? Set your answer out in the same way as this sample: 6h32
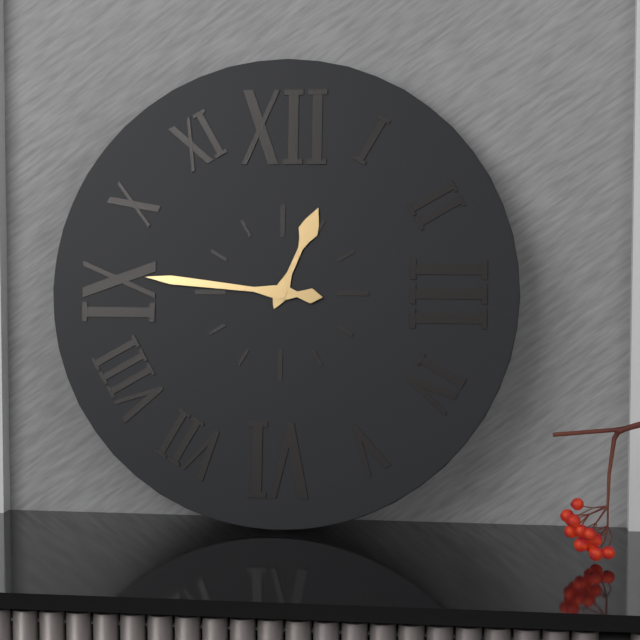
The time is 12h46
